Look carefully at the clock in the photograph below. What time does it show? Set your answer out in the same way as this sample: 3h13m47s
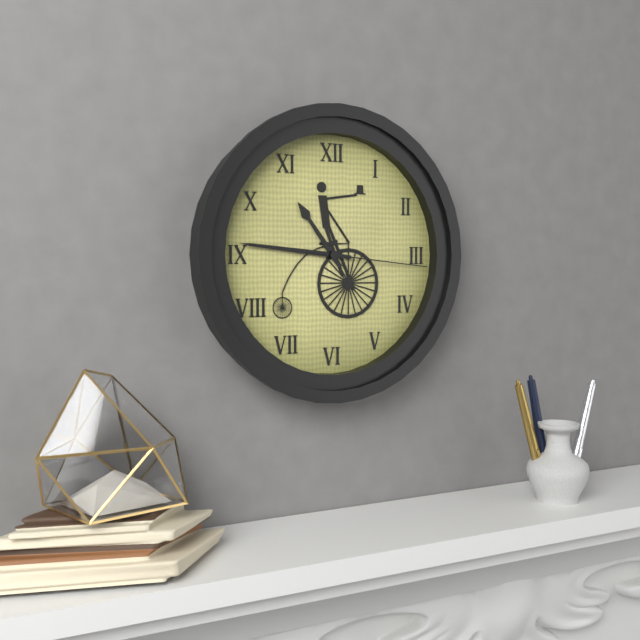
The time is 10h46m16s
